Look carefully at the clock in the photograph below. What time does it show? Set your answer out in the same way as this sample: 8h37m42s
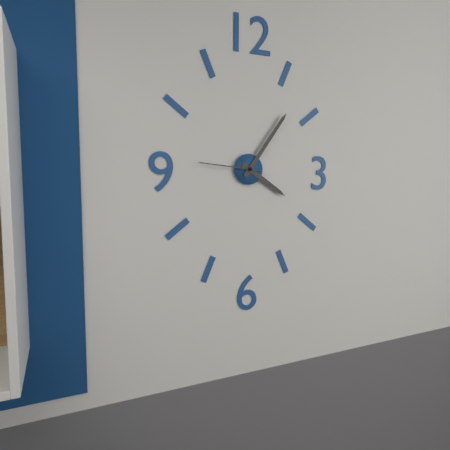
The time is 4h06m46s
